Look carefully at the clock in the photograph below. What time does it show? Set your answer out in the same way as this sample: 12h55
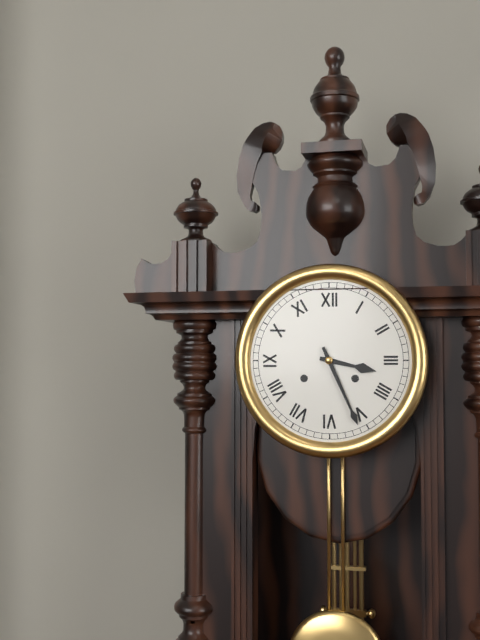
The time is 3h26
